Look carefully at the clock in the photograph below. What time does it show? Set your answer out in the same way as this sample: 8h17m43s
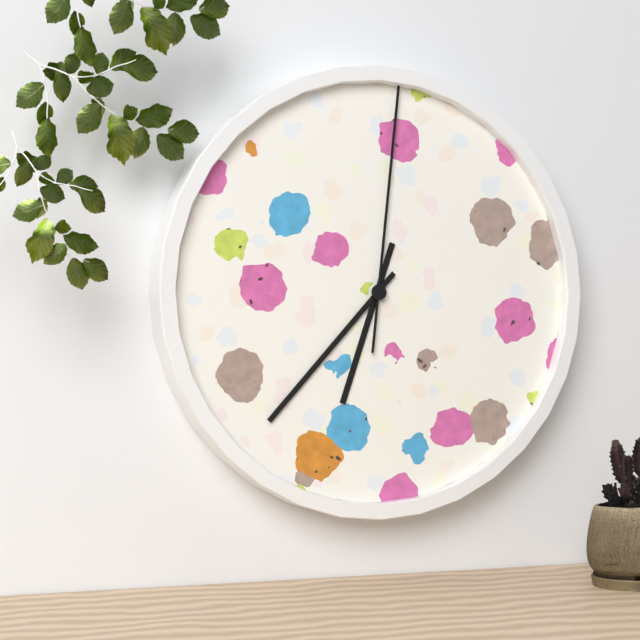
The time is 6h37m01s
